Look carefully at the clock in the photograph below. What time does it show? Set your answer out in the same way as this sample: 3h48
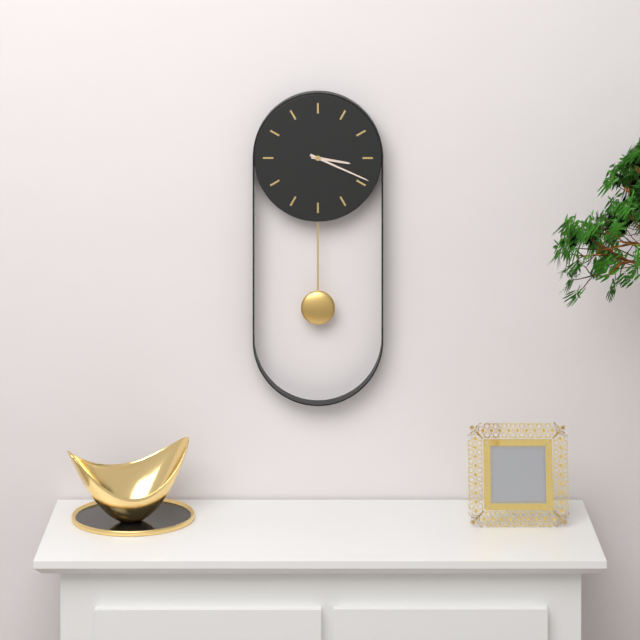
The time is 3h19
